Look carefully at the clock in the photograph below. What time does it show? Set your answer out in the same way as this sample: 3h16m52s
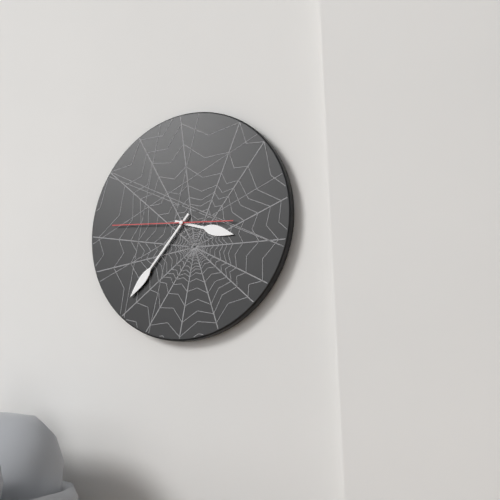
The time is 3h37m46s
